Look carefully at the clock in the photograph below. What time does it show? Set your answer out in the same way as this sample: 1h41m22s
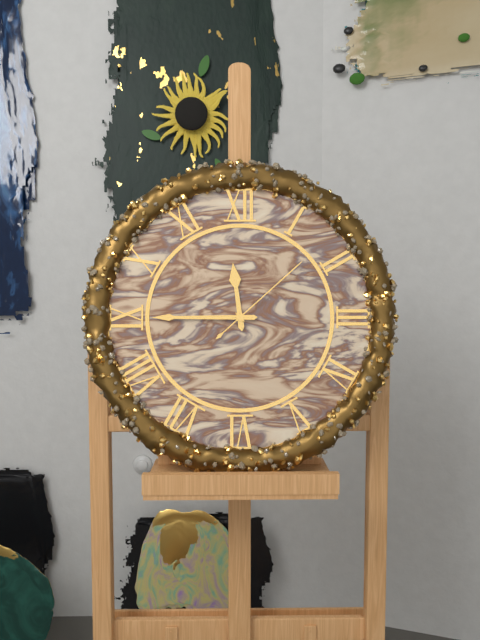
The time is 11h45m08s
